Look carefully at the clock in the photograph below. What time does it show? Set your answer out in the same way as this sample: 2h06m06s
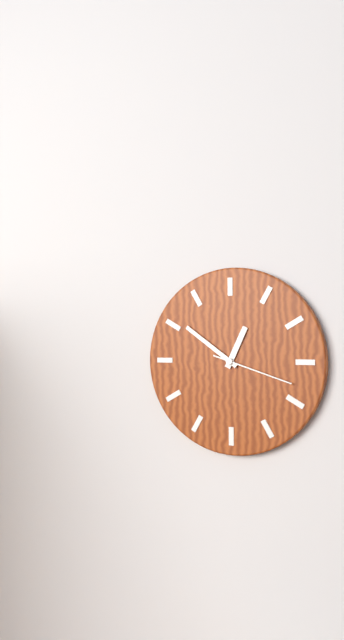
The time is 12h51m18s
